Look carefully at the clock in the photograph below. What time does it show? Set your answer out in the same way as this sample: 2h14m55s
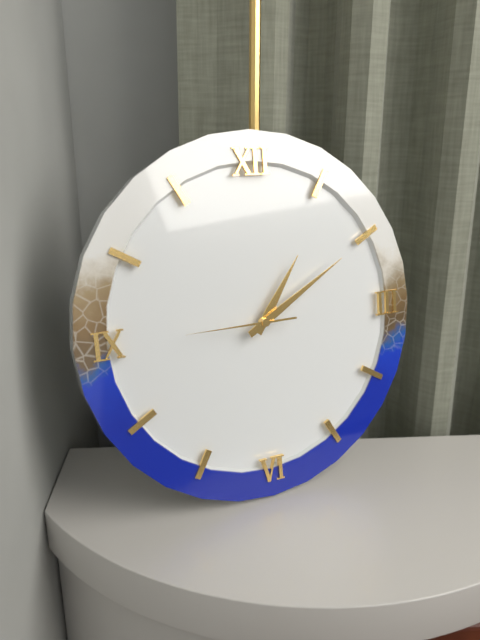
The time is 1h10m45s
